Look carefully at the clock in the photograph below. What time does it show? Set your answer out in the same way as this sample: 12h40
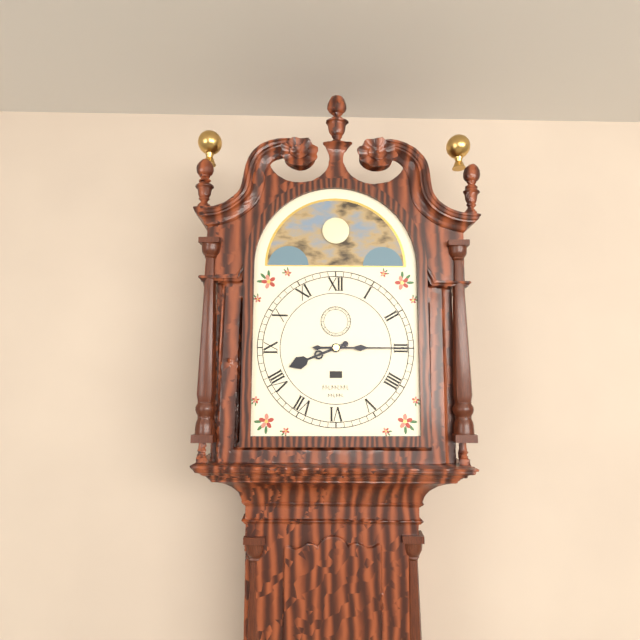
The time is 8h15
